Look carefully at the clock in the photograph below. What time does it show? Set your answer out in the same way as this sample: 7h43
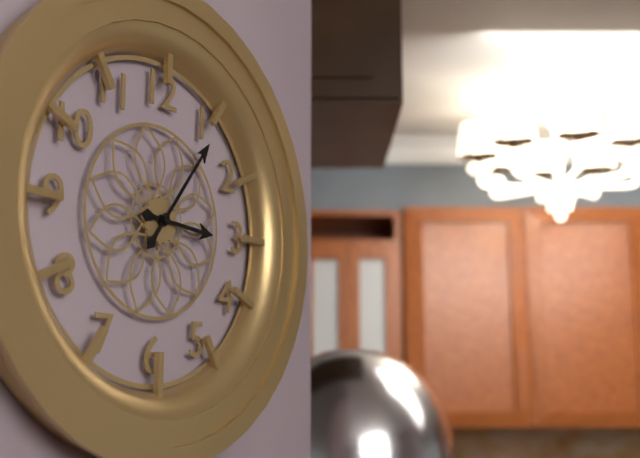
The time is 3h06
